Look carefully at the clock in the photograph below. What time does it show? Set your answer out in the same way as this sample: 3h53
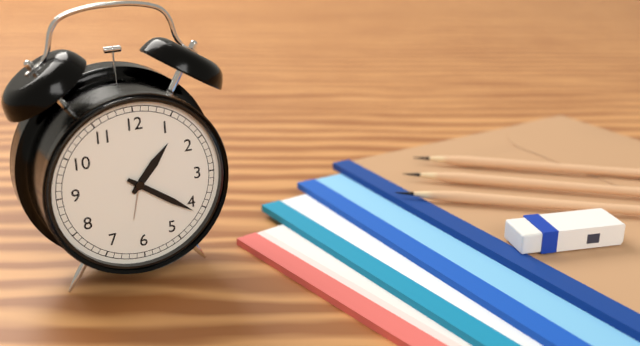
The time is 1h21
